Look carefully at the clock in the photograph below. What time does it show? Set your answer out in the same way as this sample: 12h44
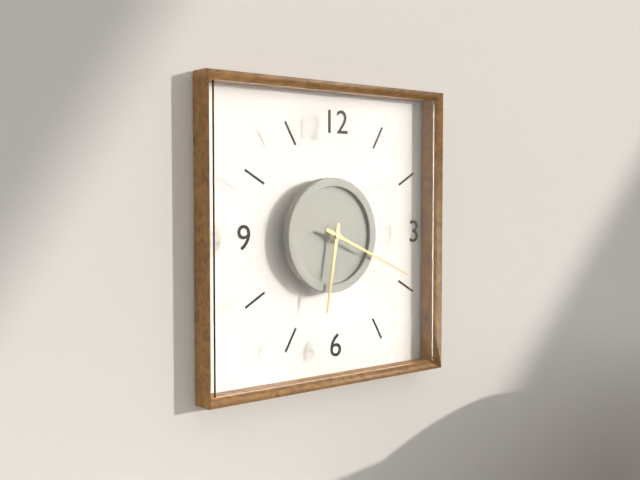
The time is 6h19
